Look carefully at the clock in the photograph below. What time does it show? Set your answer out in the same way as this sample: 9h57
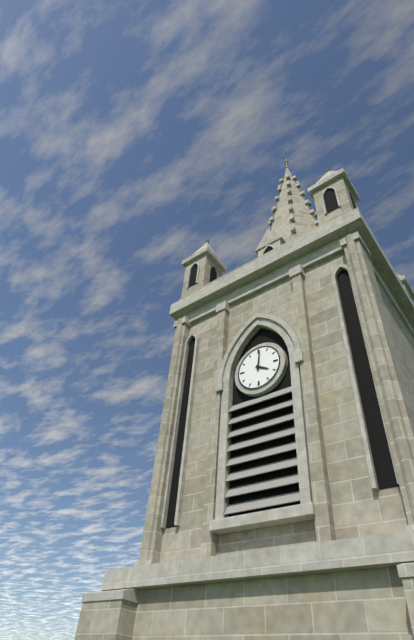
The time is 4h01
